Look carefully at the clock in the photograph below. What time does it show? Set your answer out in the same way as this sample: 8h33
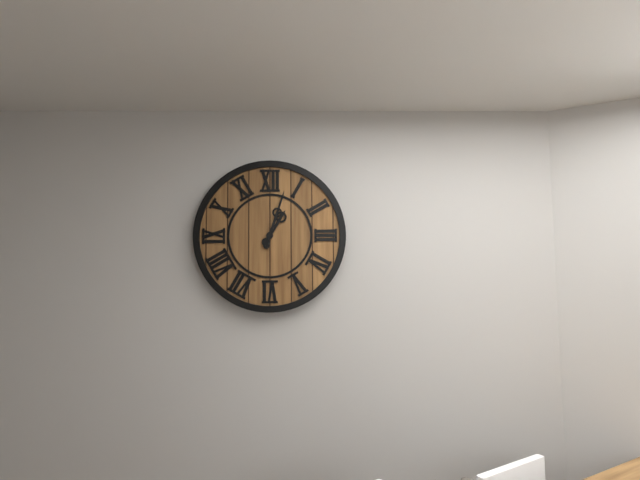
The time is 1h03
